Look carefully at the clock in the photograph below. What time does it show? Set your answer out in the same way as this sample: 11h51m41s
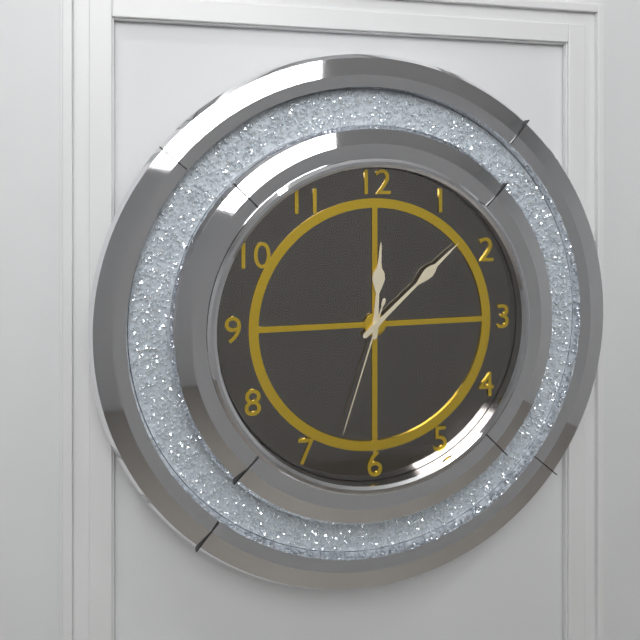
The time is 12h08m33s
